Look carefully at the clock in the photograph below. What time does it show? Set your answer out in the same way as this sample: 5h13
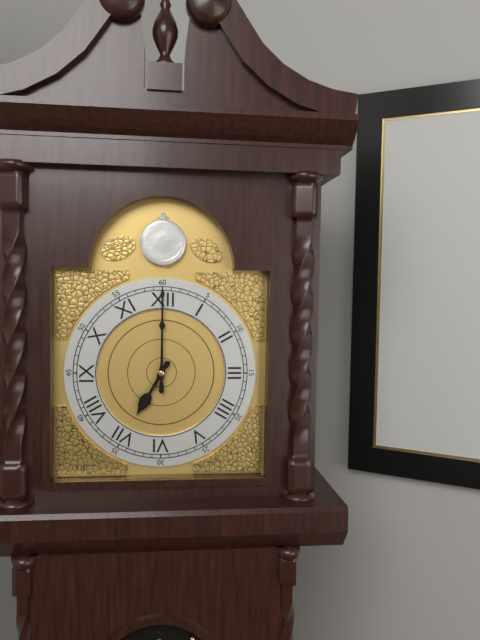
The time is 7h00
